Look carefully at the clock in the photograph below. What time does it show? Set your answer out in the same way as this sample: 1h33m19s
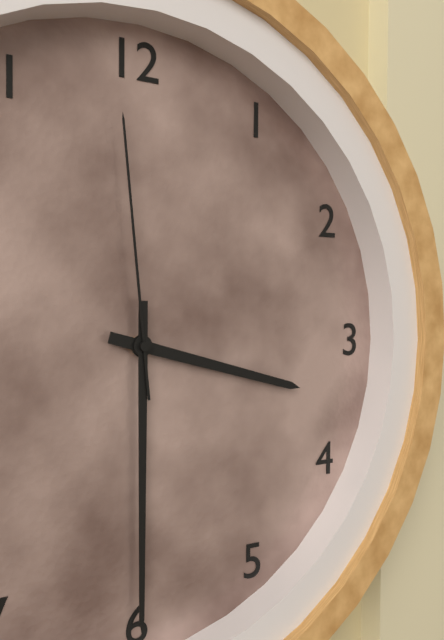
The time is 3h30m59s
